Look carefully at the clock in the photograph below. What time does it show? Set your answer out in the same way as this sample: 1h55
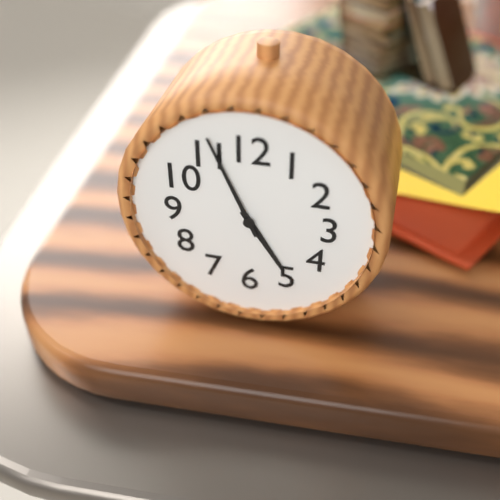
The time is 4h56
